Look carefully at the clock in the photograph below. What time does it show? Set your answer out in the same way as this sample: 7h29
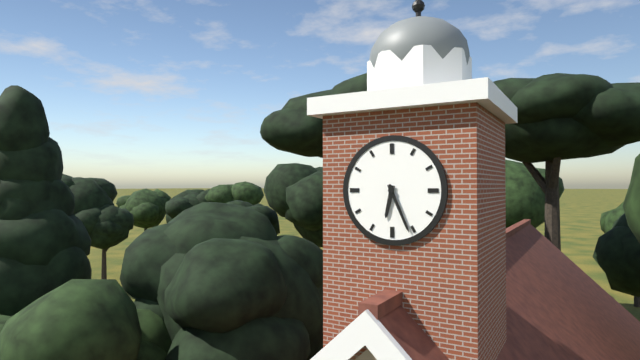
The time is 6h26
